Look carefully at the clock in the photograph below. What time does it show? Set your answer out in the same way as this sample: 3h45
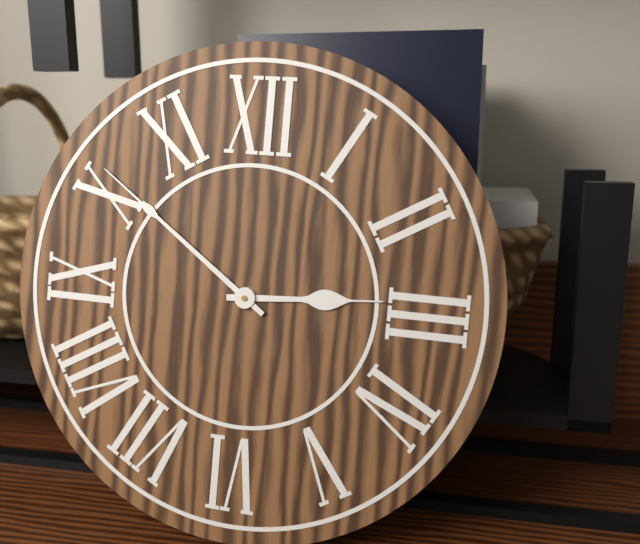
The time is 2h51
